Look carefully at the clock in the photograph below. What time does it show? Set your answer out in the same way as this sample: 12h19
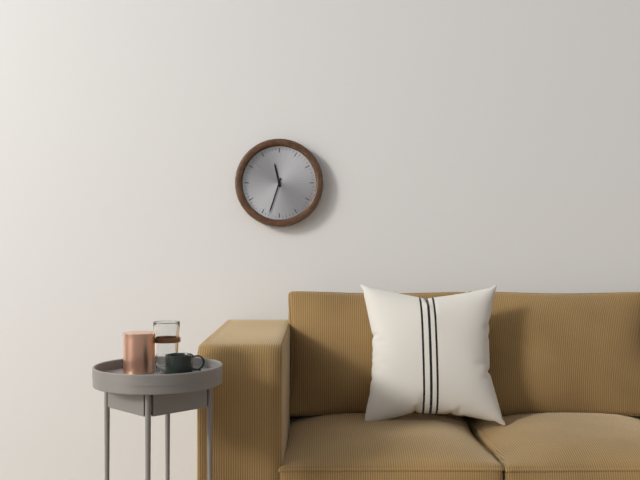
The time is 11h33
